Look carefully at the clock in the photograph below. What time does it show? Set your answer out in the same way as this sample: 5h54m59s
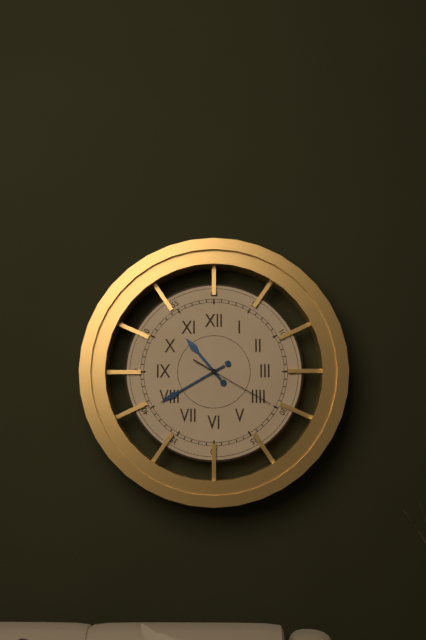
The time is 10h40m20s
